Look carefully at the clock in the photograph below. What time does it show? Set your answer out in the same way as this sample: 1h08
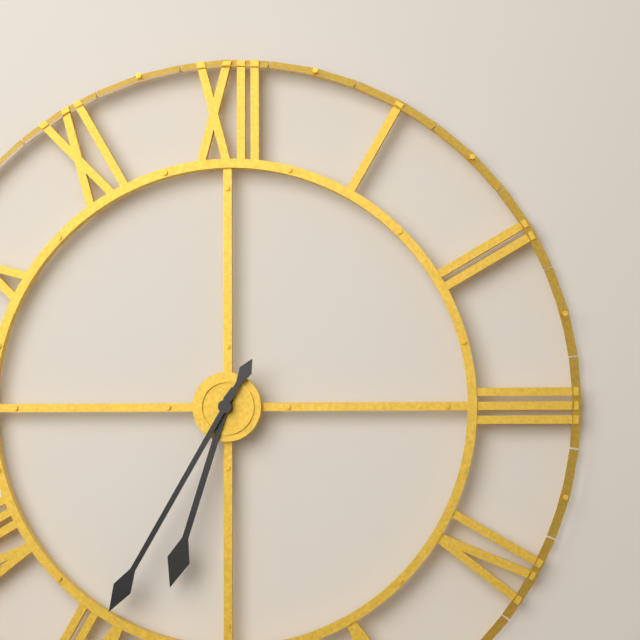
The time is 6h35
